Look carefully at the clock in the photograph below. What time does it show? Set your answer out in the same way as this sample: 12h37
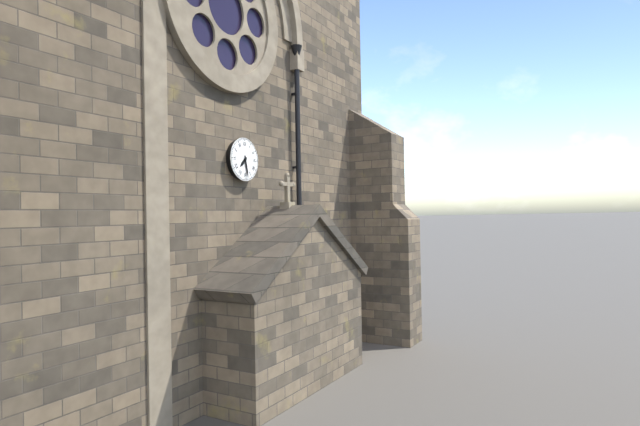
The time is 7h28
